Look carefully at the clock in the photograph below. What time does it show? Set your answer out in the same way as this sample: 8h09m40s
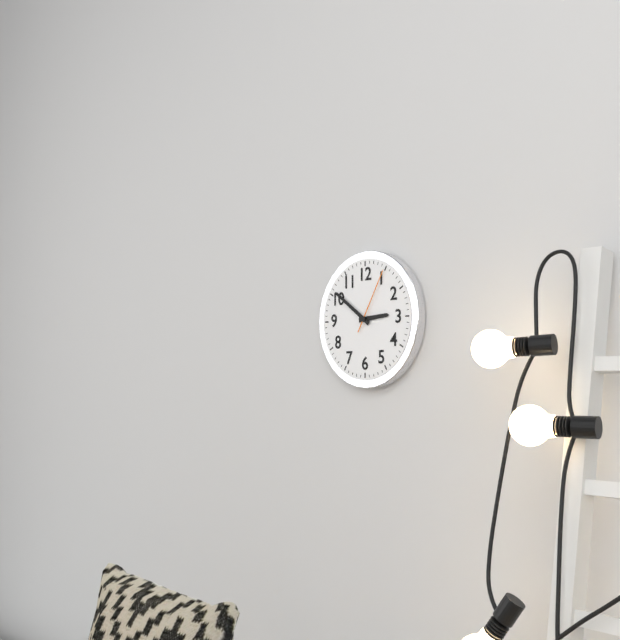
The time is 2h51m05s
